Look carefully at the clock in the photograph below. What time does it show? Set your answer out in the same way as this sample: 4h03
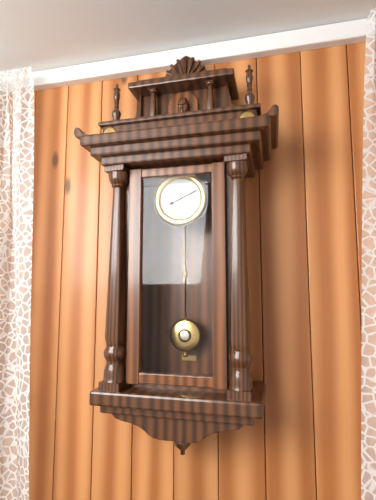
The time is 8h11
